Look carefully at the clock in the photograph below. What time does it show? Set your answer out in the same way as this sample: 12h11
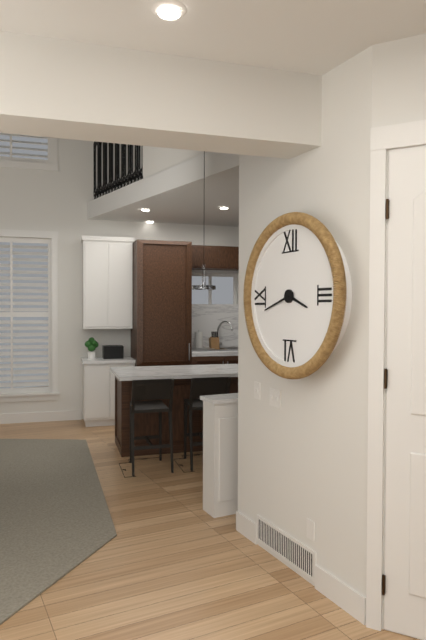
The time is 3h42
